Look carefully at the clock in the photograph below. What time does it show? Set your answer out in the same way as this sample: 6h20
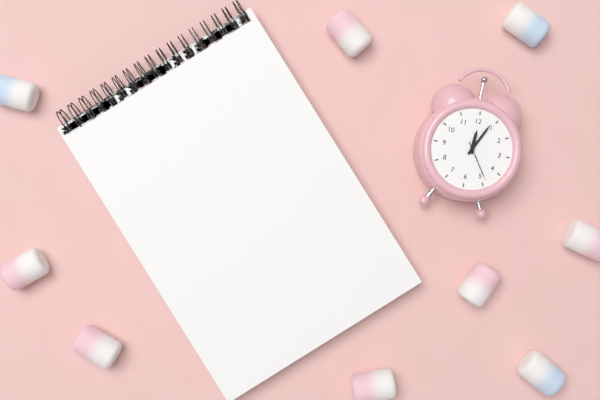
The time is 12h04
